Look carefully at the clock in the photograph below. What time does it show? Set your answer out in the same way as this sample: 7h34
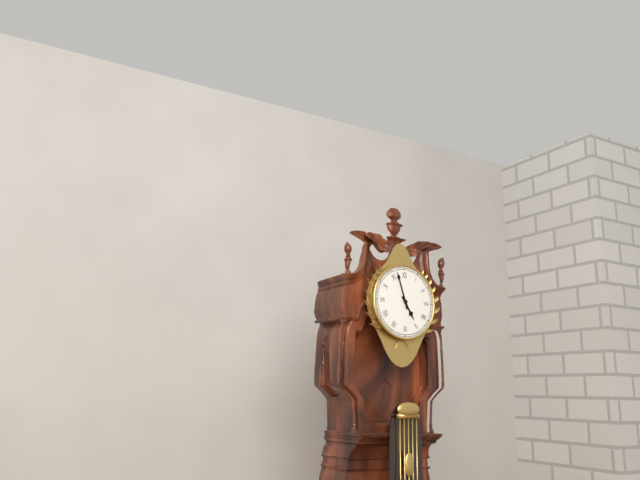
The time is 4h57
